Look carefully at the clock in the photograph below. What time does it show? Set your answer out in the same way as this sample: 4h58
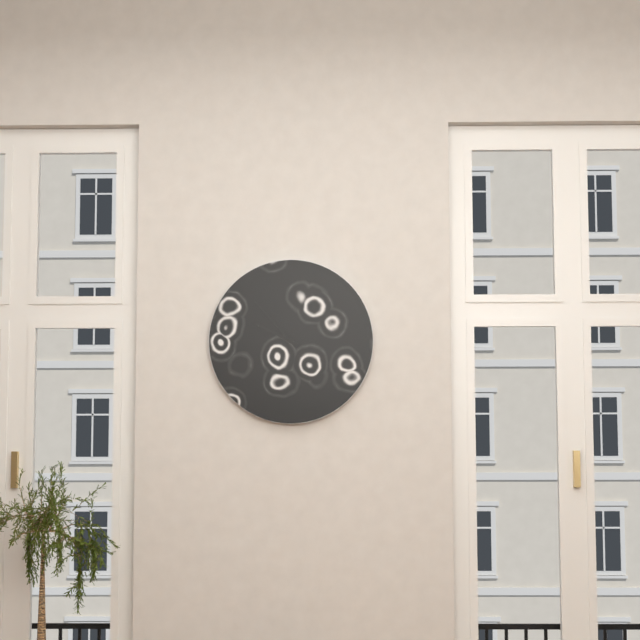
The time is 9h53
